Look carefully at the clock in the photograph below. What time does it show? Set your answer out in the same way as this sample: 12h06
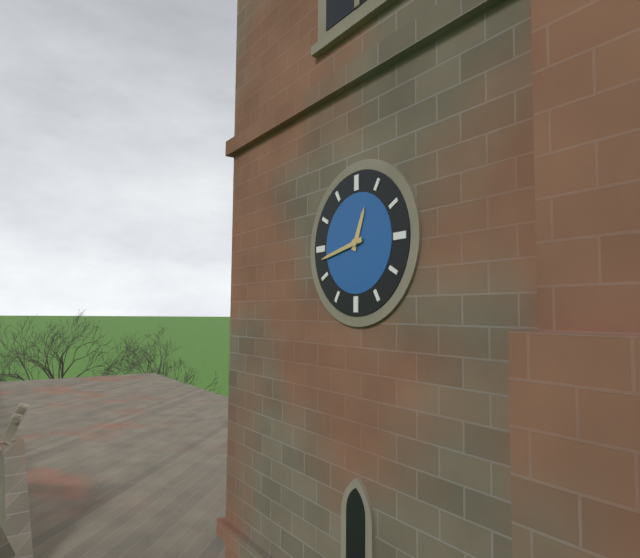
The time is 12h43
